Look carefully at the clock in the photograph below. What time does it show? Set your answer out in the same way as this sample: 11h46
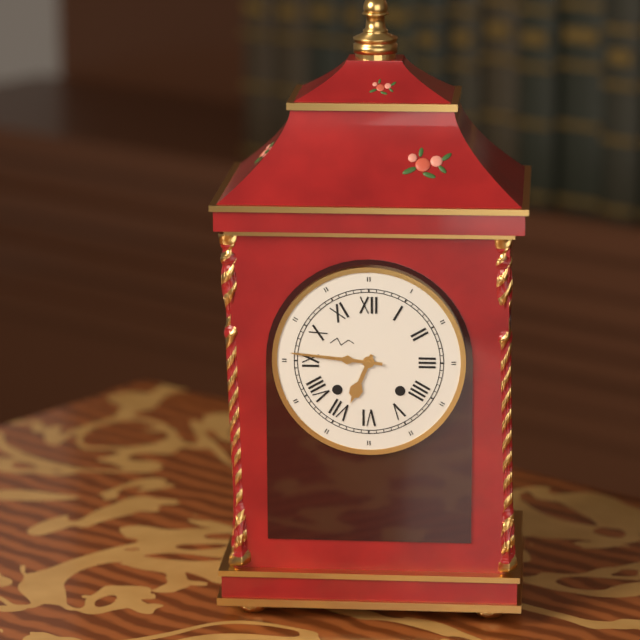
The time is 6h46
